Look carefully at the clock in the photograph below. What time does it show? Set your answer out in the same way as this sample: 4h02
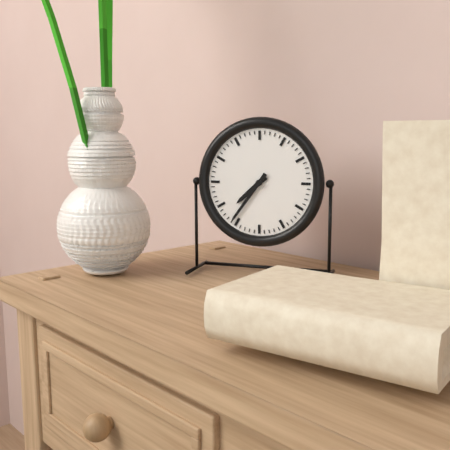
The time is 7h36
